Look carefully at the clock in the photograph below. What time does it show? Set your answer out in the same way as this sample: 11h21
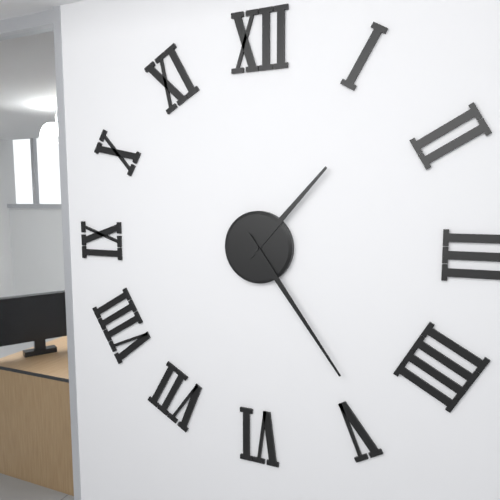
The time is 1h24
